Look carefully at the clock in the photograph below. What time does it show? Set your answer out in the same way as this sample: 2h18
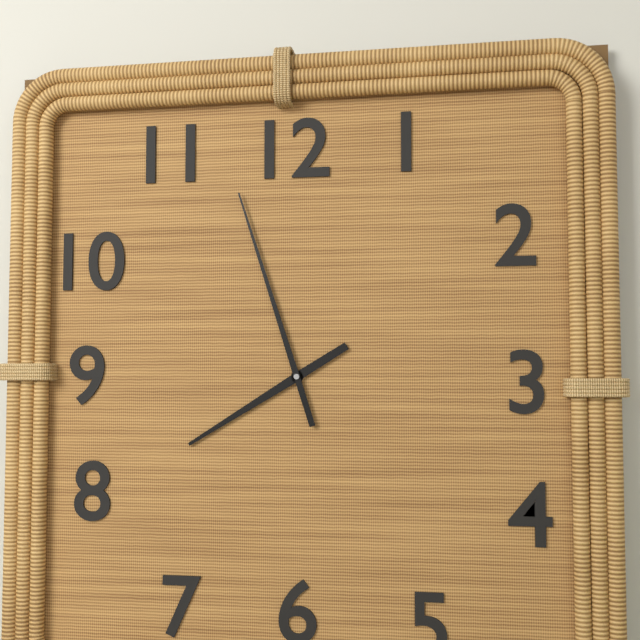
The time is 7h57
